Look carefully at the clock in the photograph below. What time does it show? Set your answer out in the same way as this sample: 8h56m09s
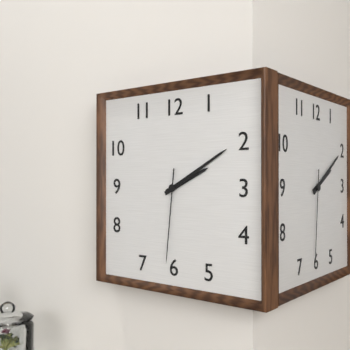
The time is 2h10m31s
